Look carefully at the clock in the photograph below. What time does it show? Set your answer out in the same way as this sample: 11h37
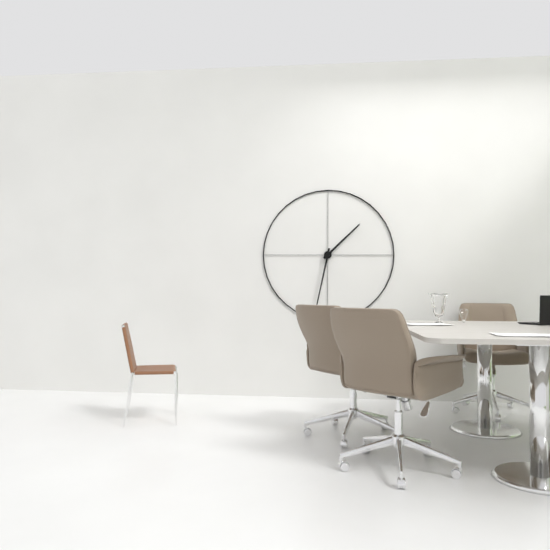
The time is 1h32
